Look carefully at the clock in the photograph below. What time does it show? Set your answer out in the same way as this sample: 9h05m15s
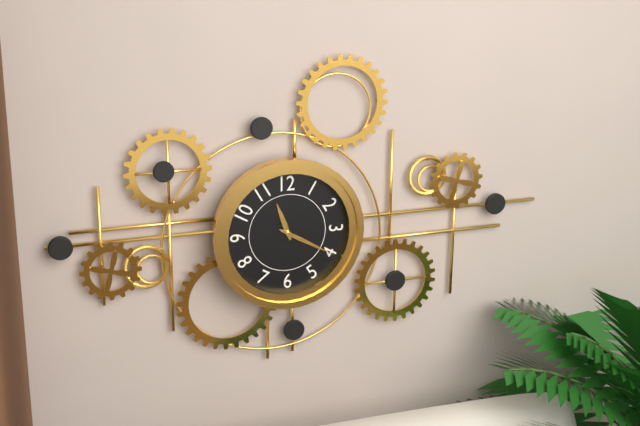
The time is 11h20m20s
